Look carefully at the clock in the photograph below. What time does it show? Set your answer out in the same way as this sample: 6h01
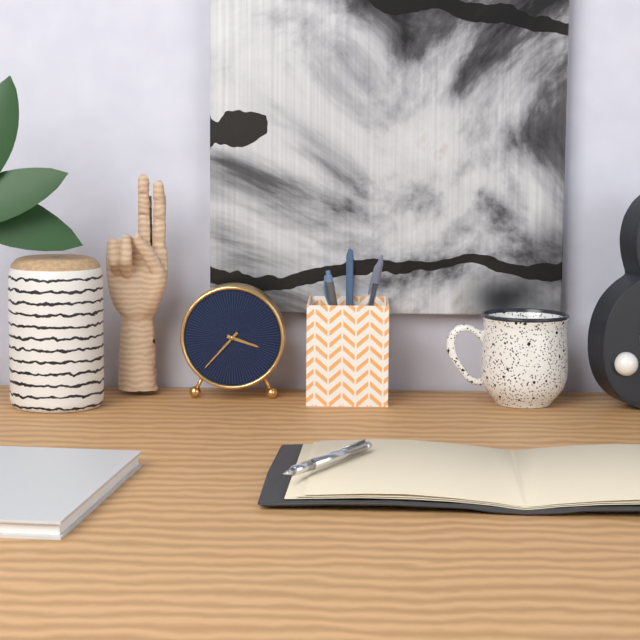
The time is 3h37
